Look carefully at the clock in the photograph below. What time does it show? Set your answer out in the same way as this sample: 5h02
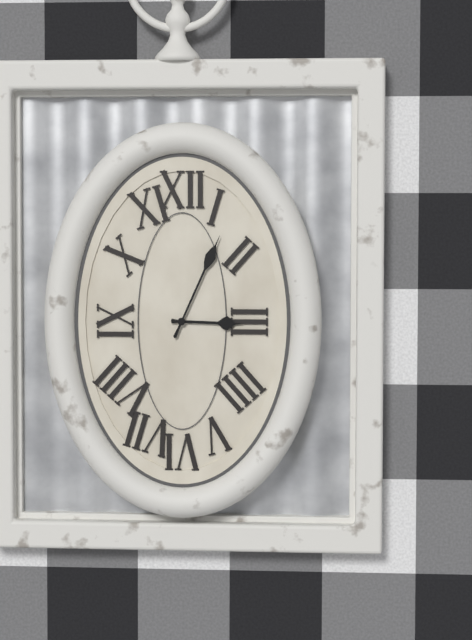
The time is 3h04
